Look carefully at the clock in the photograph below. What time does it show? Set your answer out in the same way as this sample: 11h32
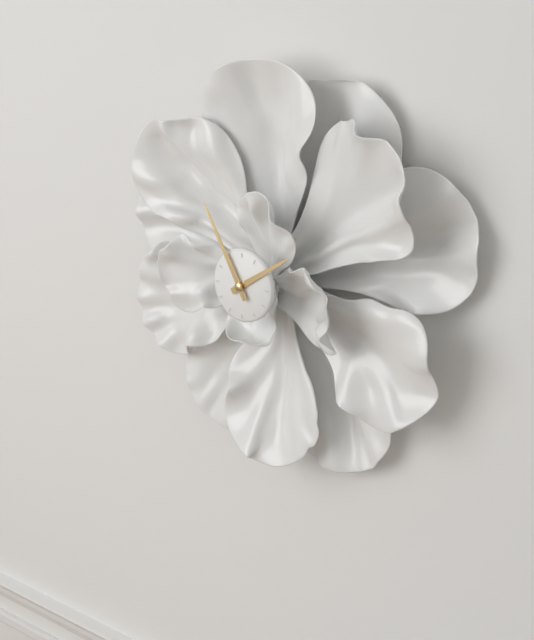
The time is 1h55
